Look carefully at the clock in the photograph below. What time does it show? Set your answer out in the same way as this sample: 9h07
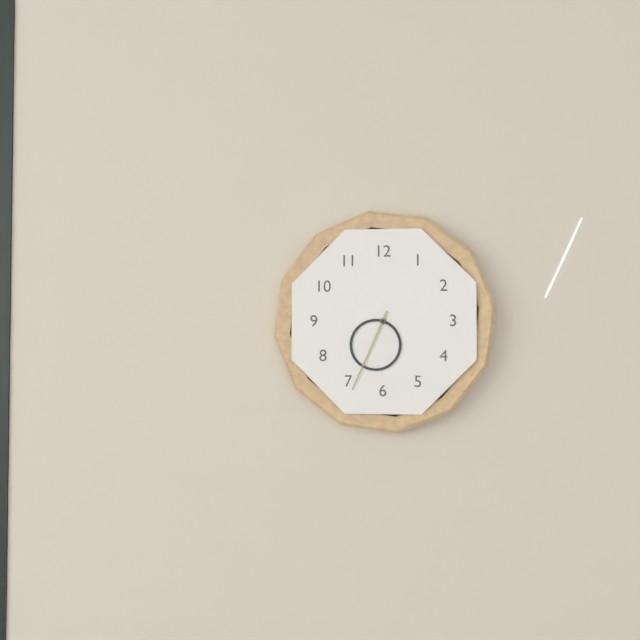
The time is 6h34
